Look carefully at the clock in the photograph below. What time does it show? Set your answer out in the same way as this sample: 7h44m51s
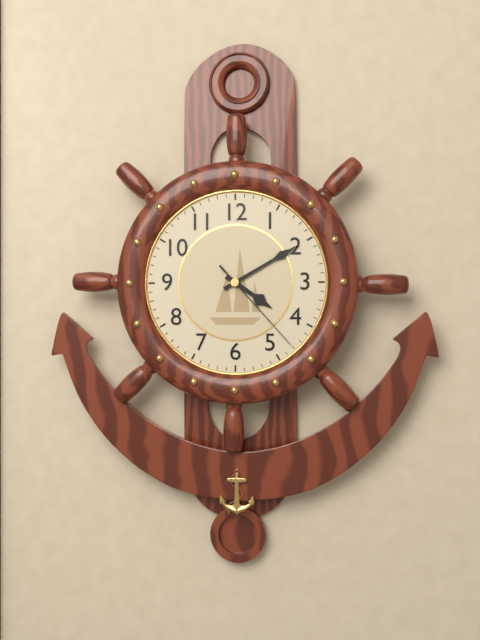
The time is 4h10m23s
